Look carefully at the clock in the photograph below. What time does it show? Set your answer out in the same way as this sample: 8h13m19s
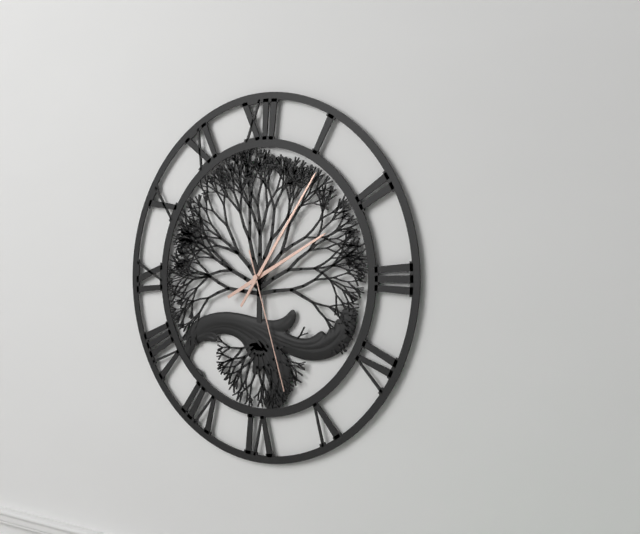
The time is 2h06m27s
